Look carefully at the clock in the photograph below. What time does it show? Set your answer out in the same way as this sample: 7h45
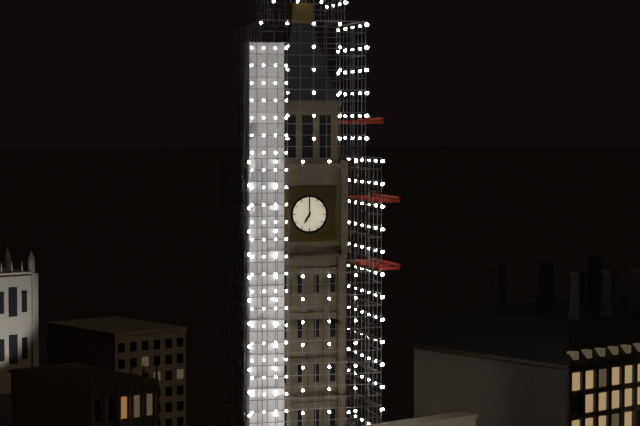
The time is 7h00
